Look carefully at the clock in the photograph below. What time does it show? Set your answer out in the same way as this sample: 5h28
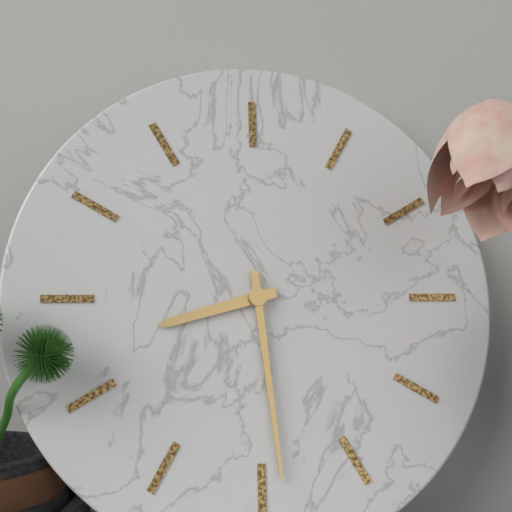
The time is 8h29
